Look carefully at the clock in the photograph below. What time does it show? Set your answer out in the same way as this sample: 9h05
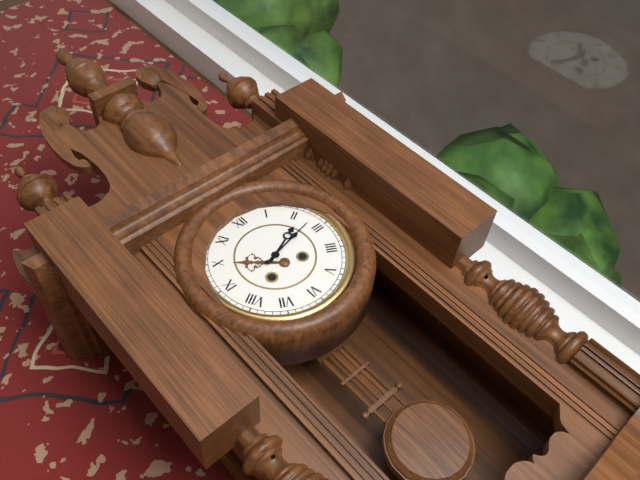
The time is 2h13
